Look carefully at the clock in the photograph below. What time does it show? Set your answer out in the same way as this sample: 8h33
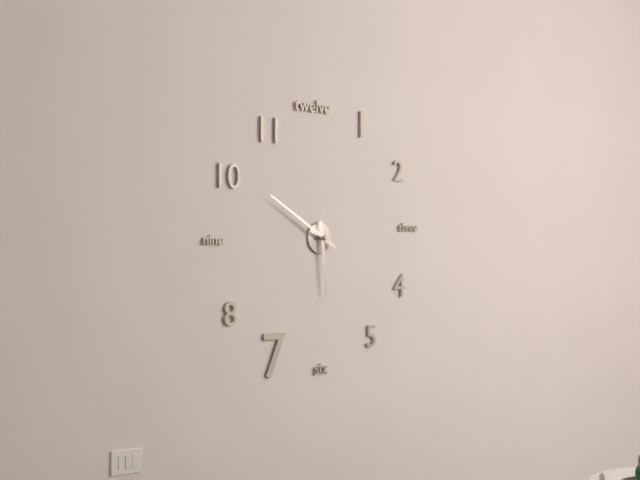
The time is 5h50
